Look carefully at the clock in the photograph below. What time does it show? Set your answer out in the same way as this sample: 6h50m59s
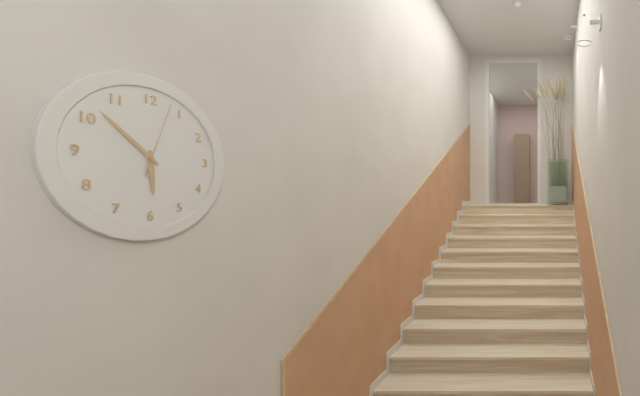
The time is 5h52m03s
